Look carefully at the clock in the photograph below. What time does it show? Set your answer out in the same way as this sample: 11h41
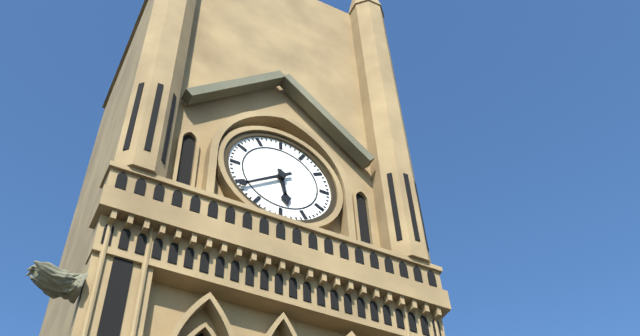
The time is 5h39
